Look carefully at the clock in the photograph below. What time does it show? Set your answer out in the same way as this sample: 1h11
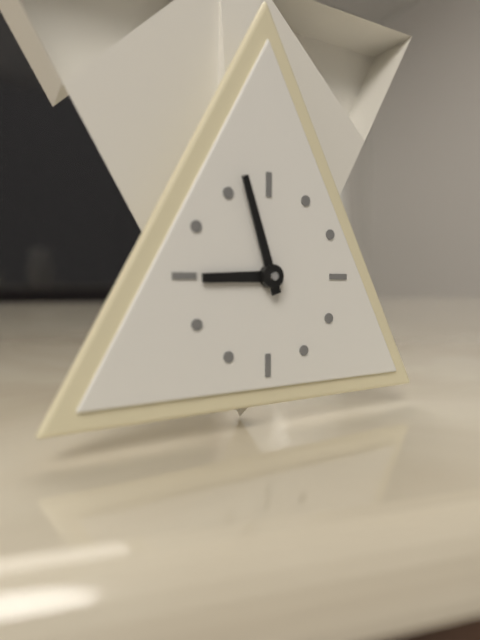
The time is 8h57
